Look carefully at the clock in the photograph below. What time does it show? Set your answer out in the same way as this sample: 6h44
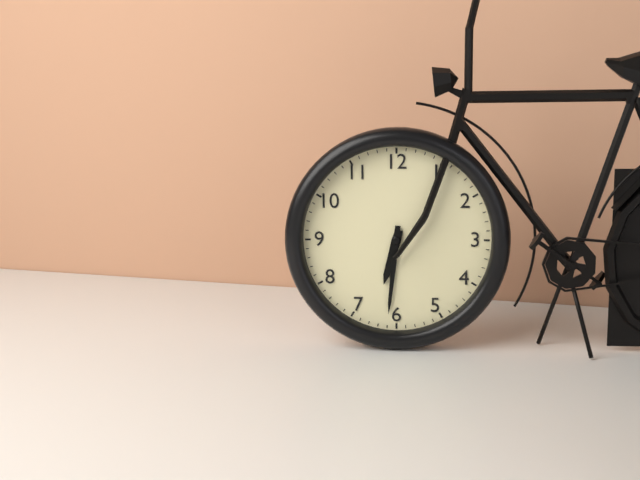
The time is 6h31
